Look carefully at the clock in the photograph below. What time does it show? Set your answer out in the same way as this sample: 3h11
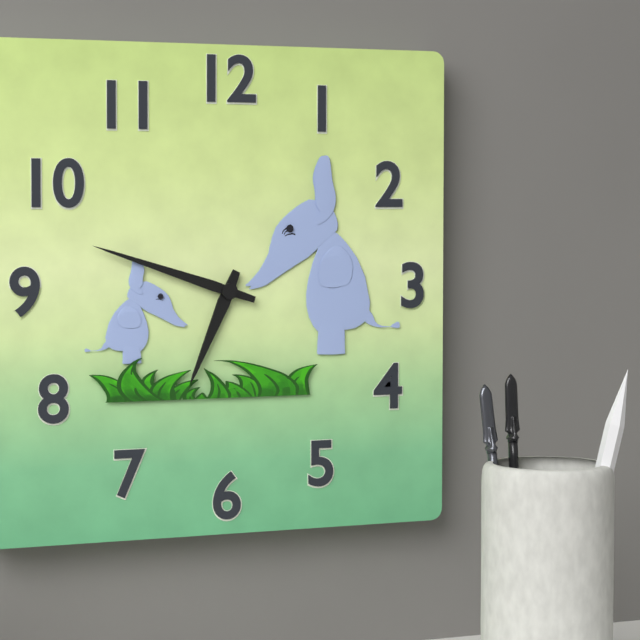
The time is 6h48
